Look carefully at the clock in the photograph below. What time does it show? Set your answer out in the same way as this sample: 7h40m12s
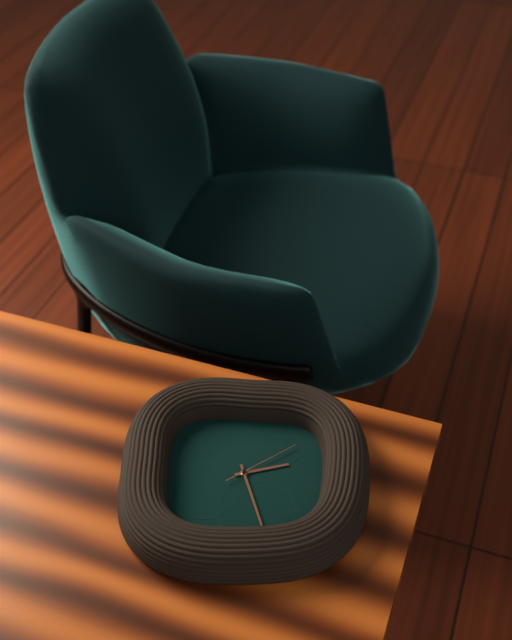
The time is 2h27m09s
